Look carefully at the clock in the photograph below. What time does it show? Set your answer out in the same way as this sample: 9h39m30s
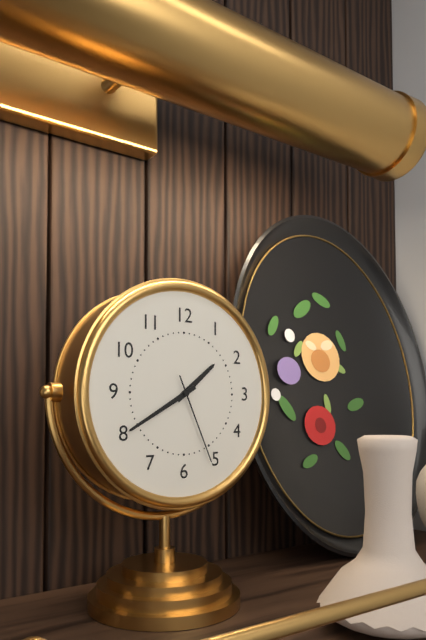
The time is 1h40m26s
